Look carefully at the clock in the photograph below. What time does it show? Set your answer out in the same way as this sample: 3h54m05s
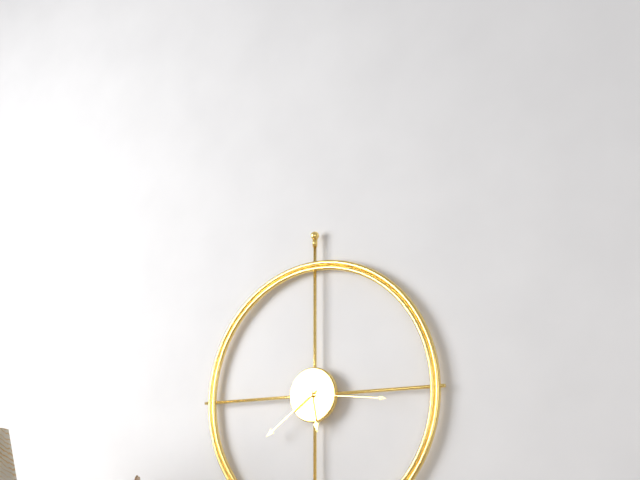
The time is 5h39m16s
